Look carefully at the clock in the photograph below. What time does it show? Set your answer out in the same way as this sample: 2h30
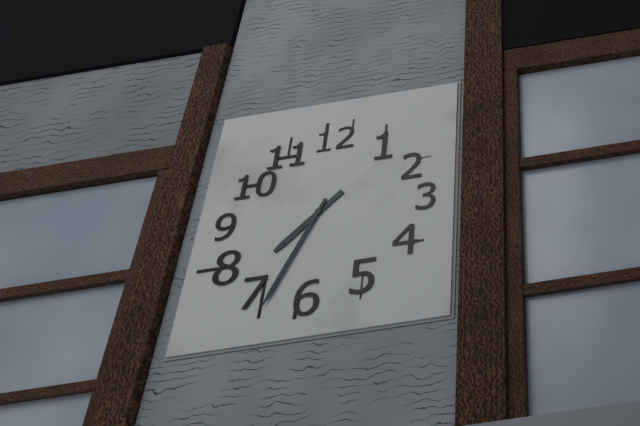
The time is 7h34
